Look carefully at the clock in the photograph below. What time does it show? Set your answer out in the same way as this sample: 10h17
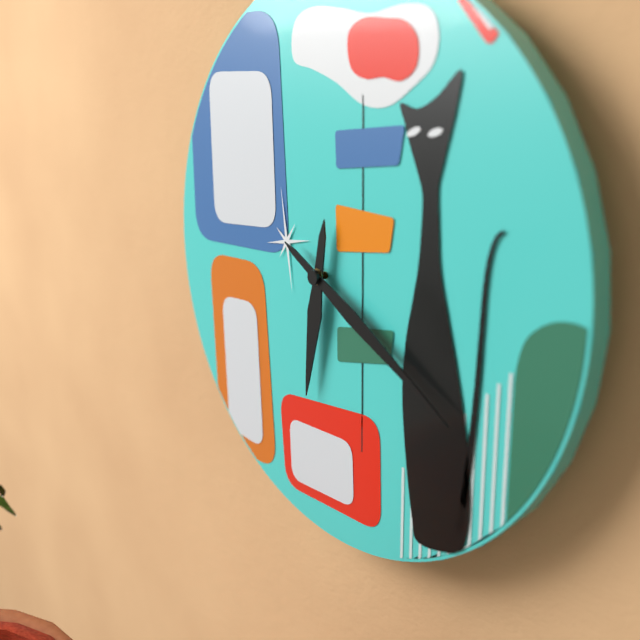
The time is 6h20
